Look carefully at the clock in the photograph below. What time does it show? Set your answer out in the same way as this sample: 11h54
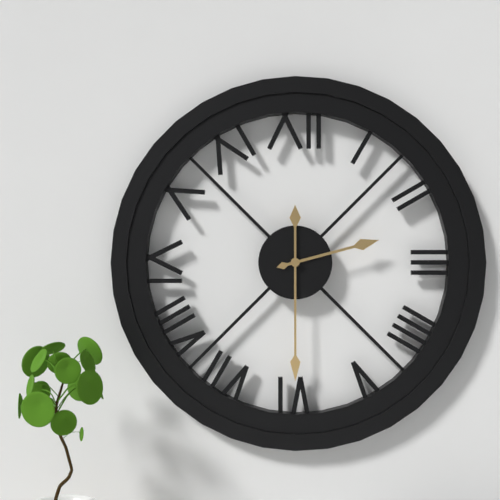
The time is 2h30
